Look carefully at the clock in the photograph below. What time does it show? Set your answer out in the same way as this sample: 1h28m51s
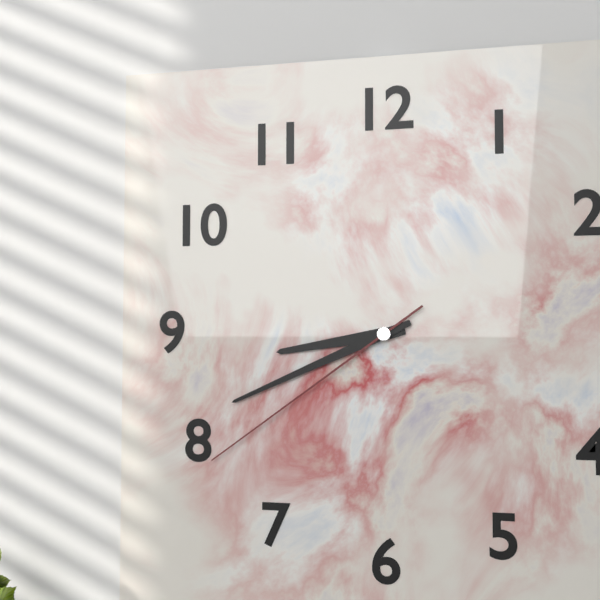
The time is 8h41m39s
